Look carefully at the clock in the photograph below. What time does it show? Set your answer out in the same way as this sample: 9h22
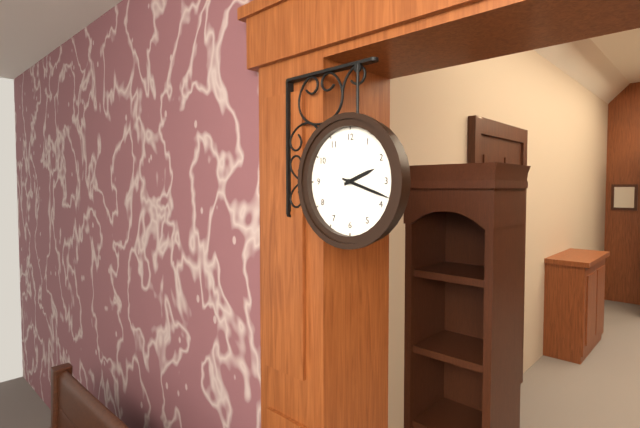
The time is 2h18
